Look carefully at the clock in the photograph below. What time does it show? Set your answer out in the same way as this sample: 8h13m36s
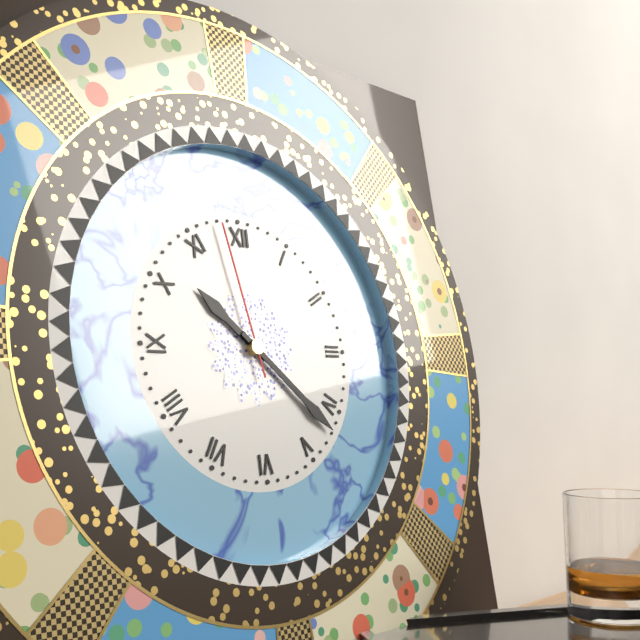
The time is 10h22m58s
